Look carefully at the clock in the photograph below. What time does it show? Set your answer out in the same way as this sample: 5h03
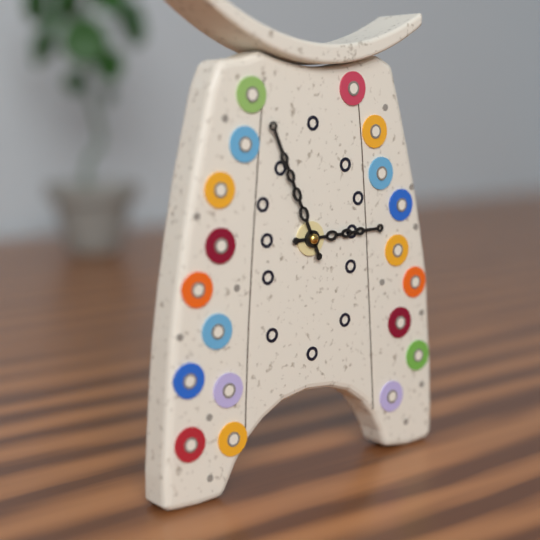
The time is 2h56
